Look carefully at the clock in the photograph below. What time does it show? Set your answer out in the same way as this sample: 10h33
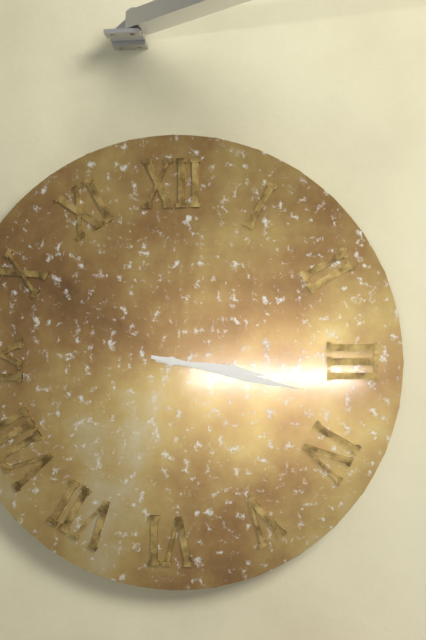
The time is 3h17
